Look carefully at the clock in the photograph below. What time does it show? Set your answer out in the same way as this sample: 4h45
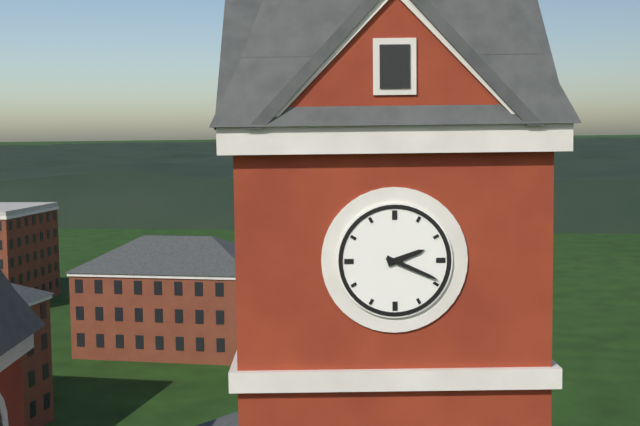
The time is 2h19
